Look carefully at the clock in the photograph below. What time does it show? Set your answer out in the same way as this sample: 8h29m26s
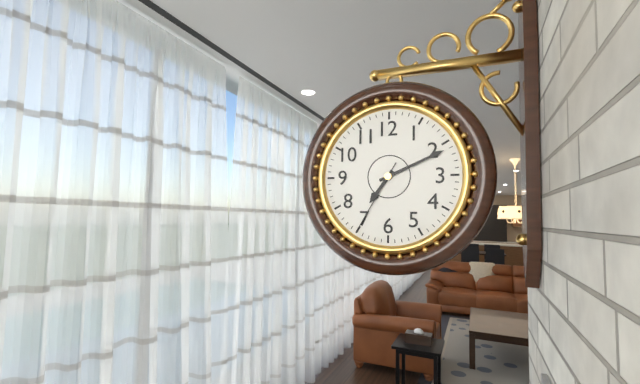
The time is 7h11m35s
